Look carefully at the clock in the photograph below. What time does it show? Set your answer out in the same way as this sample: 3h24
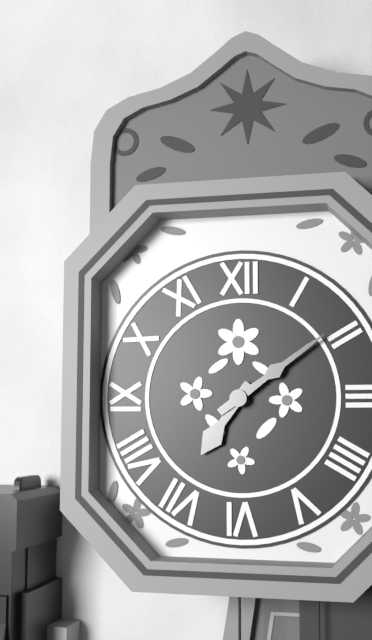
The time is 7h09
